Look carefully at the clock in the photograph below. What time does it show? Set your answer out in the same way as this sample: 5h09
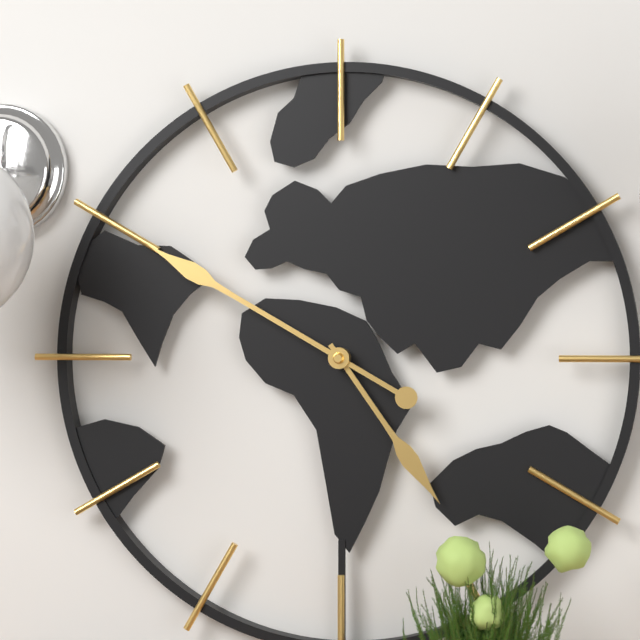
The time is 4h50
